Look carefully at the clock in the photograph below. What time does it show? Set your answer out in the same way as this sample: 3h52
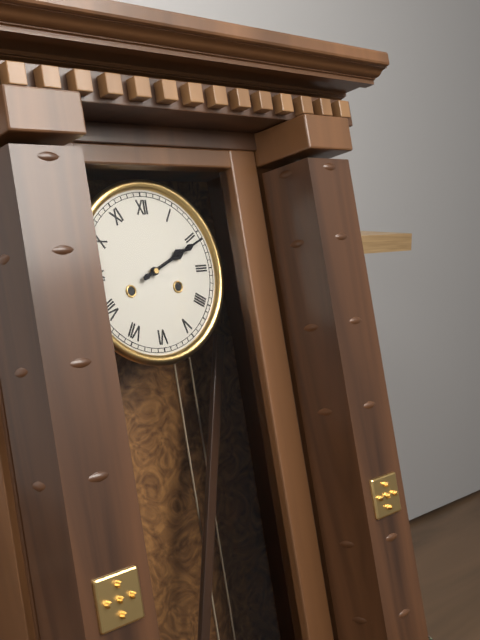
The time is 2h11
